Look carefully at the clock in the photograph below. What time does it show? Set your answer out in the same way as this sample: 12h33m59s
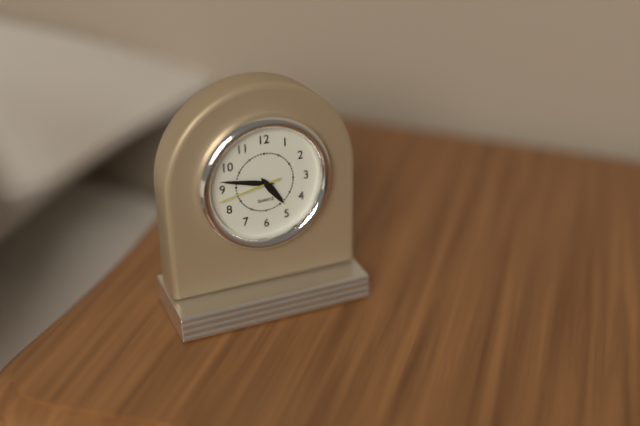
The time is 4h47m43s
